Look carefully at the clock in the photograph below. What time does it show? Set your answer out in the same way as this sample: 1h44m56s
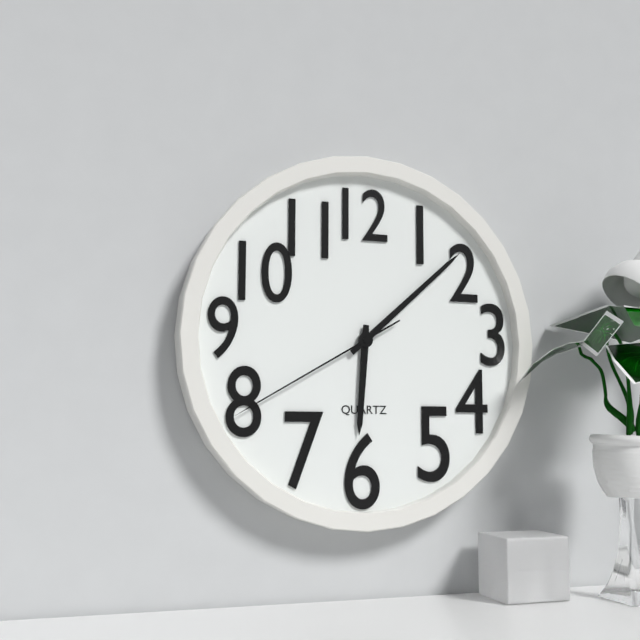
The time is 6h08m40s
